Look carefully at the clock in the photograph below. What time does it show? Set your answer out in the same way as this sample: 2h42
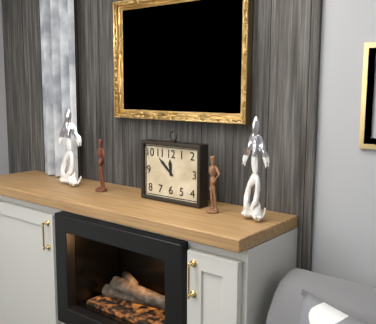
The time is 11h52
